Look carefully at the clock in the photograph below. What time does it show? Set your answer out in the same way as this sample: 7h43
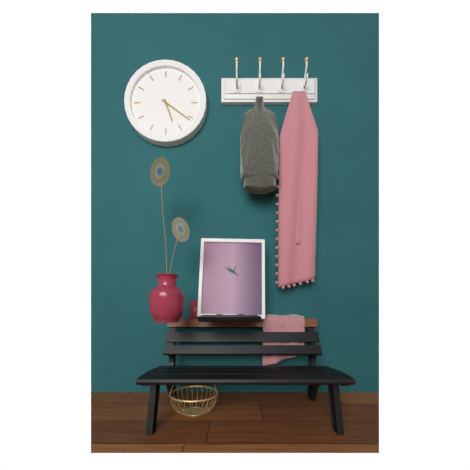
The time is 5h21
